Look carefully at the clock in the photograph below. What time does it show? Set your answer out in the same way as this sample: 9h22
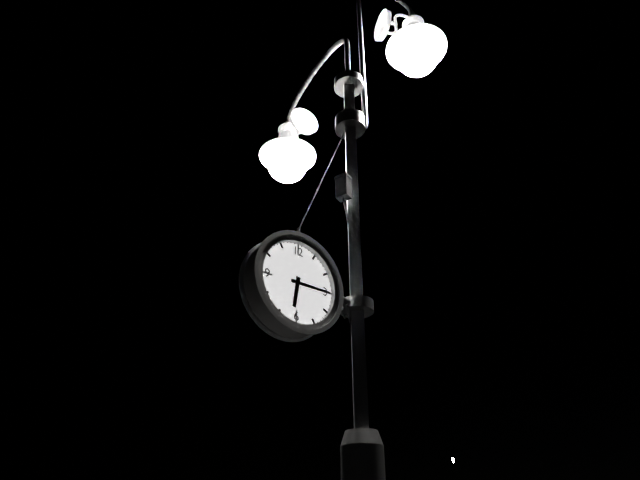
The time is 6h15
